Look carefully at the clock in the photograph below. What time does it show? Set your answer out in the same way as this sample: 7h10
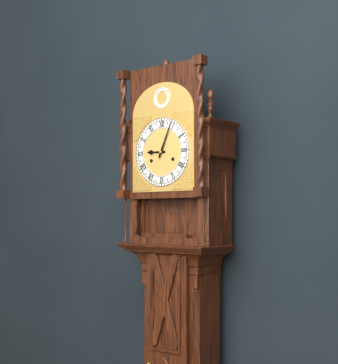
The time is 9h04
